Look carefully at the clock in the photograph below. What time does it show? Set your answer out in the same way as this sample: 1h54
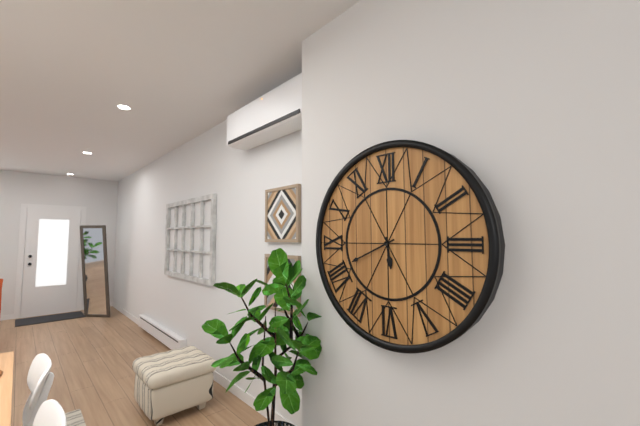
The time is 5h41
